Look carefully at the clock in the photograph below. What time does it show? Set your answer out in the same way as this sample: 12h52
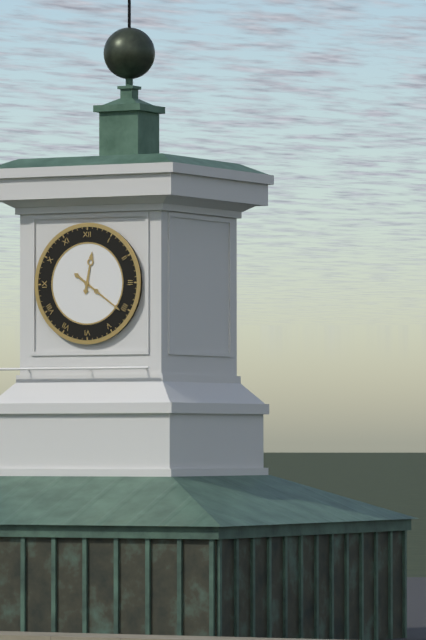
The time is 12h21
